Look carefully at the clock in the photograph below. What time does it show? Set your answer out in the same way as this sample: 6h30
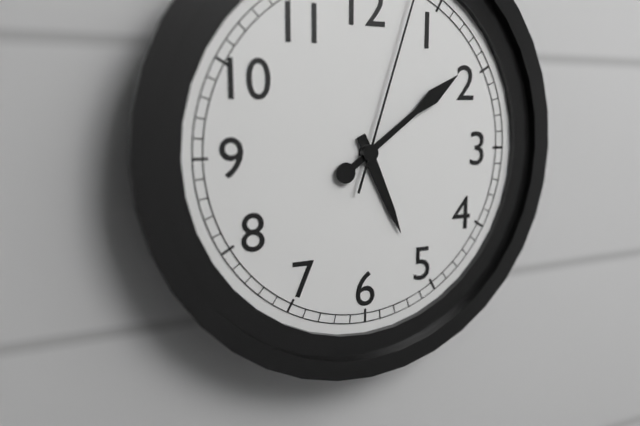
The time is 5h09
